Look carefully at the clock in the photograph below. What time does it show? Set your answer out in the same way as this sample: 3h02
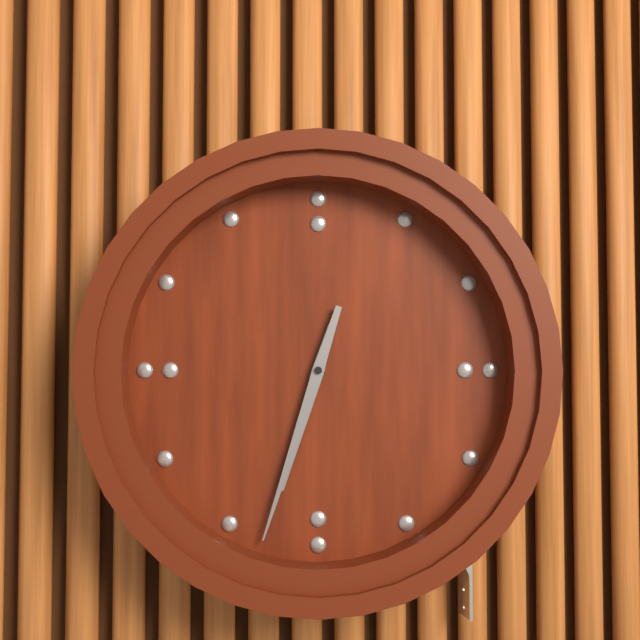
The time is 6h33
